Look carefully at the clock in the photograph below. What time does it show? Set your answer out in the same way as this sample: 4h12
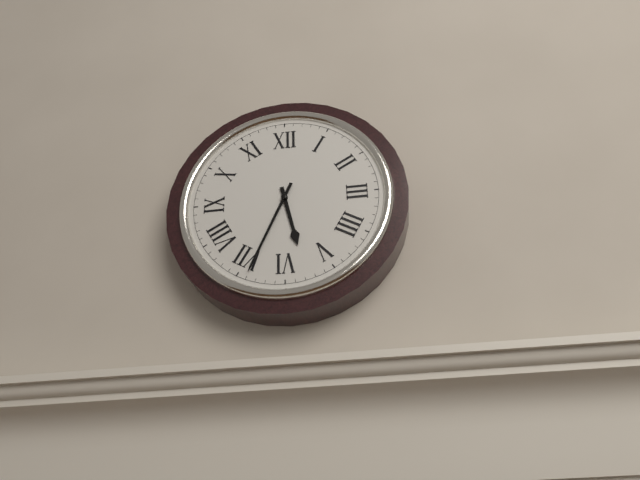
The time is 5h34
